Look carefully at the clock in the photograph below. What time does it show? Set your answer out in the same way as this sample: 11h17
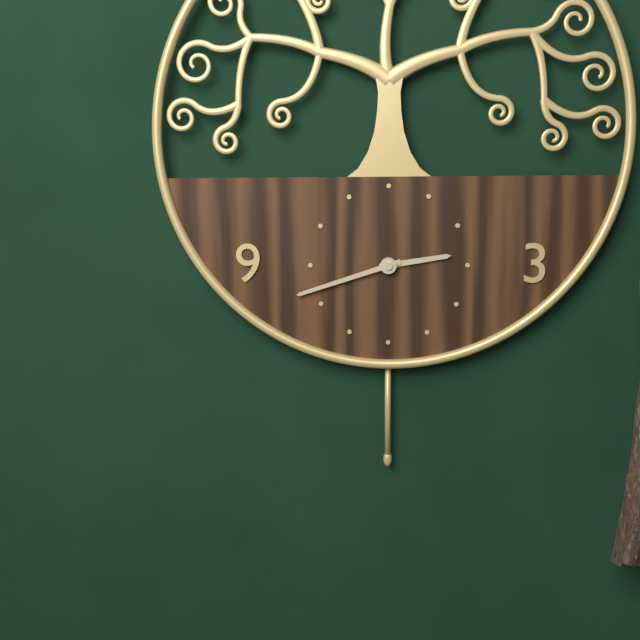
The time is 2h42
